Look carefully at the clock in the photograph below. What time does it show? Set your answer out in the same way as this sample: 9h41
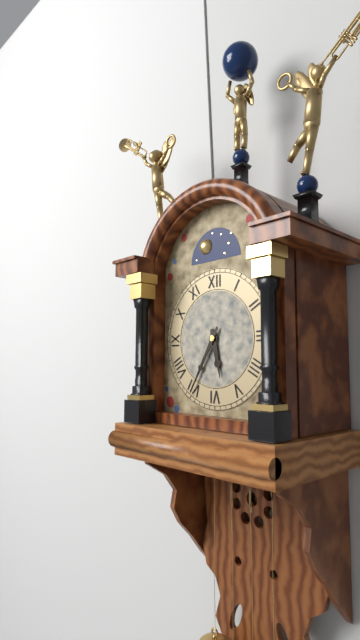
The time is 5h35
